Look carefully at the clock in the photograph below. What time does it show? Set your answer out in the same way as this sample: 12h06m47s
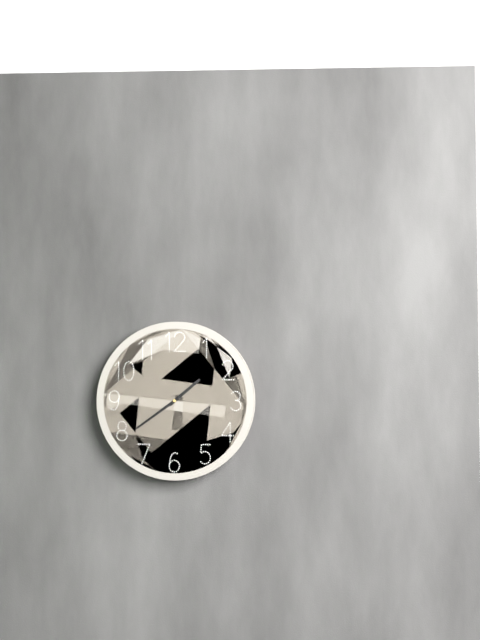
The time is 1h39m39s
